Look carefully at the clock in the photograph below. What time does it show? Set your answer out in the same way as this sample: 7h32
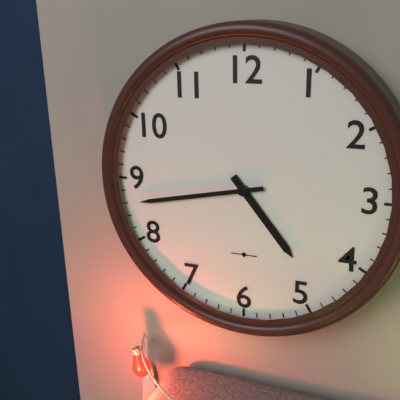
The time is 4h43
